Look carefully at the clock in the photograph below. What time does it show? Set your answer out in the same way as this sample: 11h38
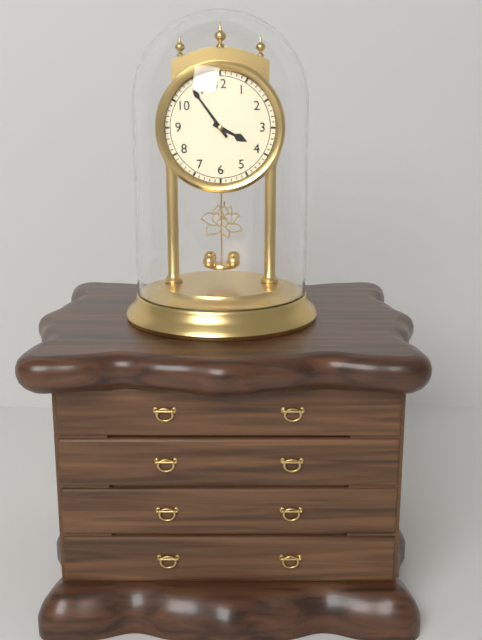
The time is 3h54
